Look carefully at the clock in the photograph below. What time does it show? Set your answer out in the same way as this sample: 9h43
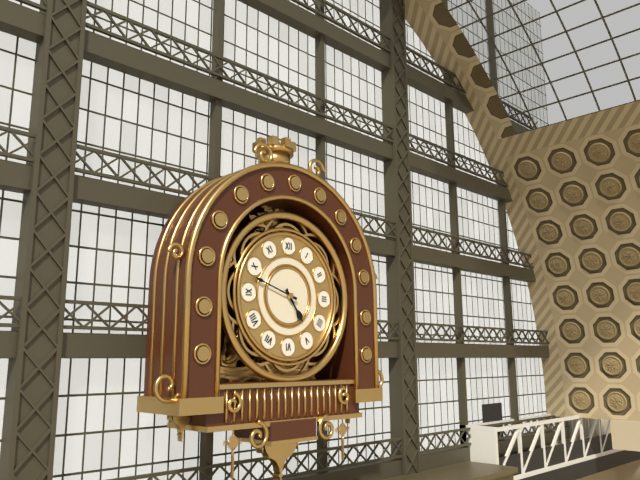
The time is 4h48
